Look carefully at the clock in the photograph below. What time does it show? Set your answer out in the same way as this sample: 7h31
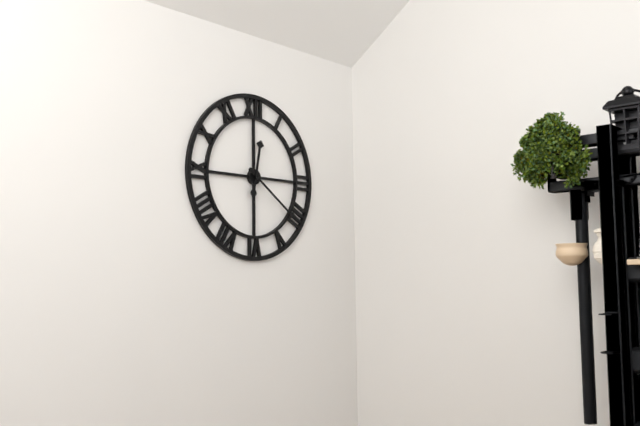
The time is 12h21
